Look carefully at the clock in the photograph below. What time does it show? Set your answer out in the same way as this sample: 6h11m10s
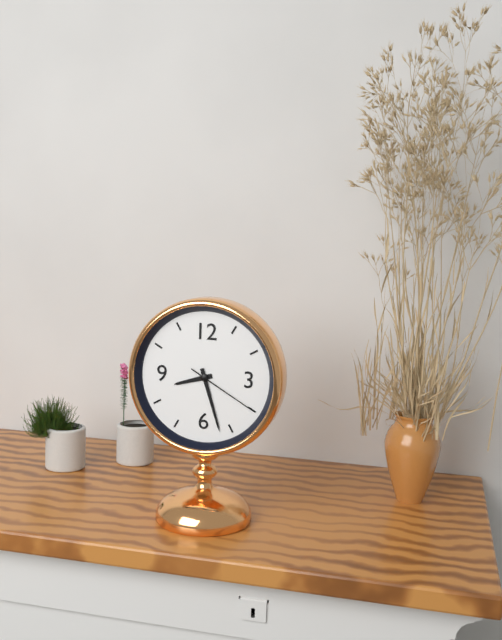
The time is 8h27m20s
